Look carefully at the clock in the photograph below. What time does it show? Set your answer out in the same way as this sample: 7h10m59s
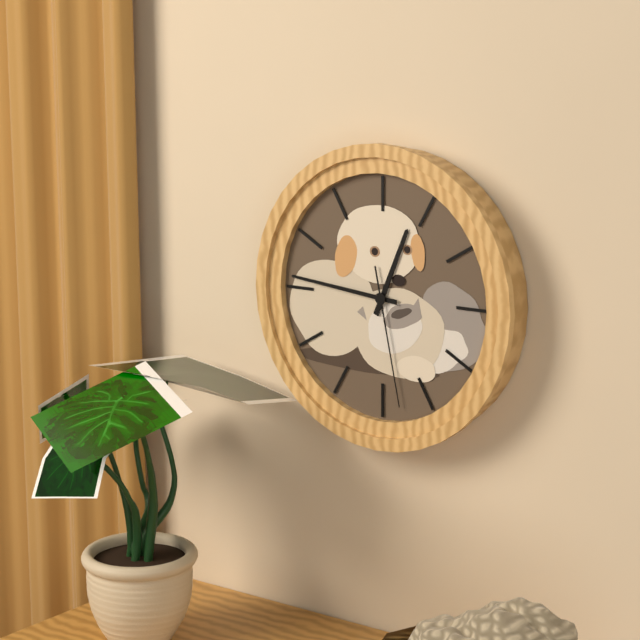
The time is 12h46m28s
